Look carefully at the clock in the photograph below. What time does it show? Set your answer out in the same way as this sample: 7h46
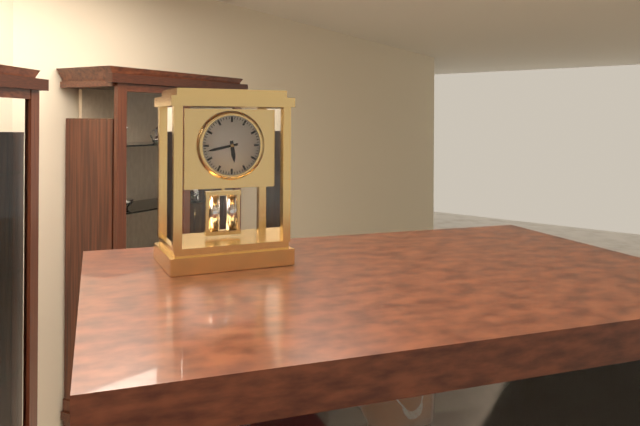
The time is 5h43
